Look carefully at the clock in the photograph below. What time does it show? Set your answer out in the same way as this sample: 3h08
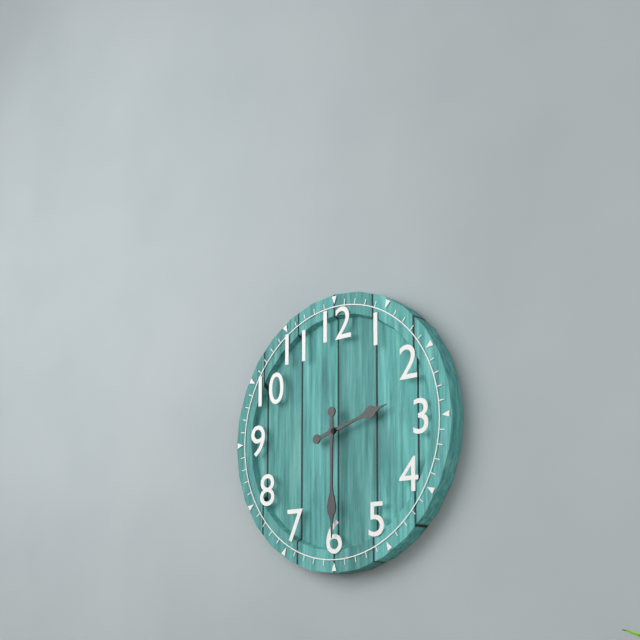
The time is 2h30
